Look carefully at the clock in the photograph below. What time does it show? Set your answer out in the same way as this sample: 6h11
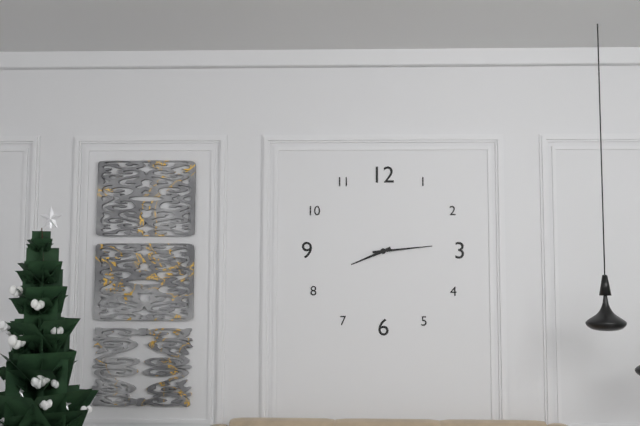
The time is 8h14
